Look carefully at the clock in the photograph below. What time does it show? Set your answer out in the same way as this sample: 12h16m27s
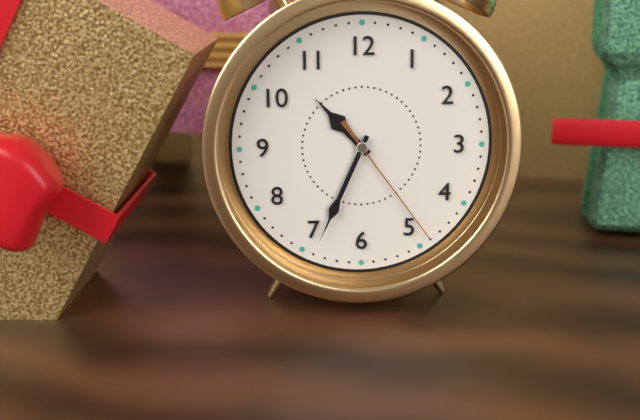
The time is 10h34m24s
